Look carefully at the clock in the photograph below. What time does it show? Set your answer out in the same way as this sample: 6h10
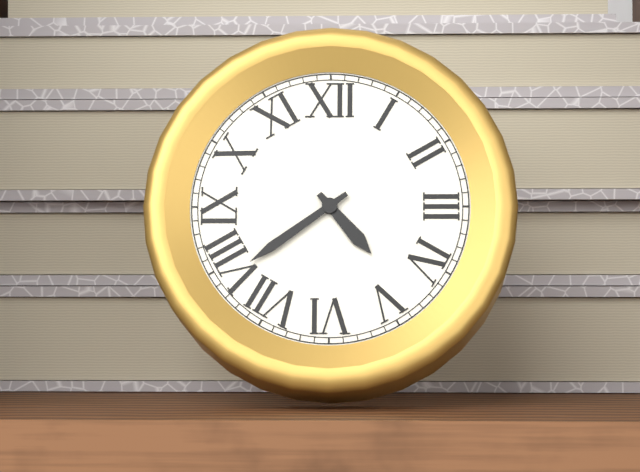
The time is 4h39
